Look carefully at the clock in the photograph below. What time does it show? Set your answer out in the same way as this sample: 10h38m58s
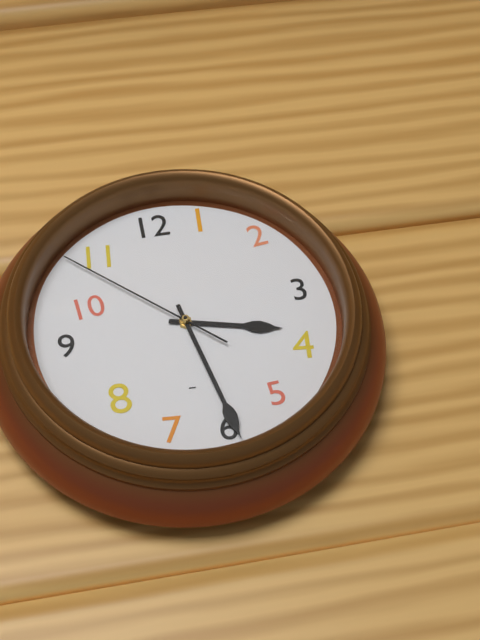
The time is 3h28m52s
